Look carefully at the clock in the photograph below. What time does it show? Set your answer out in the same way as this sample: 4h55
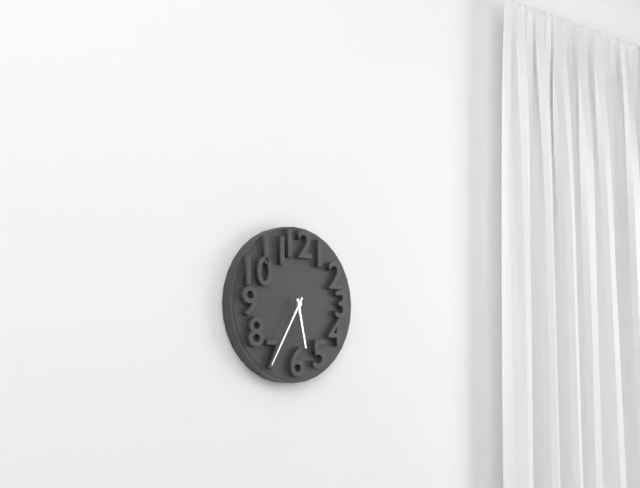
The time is 5h35
